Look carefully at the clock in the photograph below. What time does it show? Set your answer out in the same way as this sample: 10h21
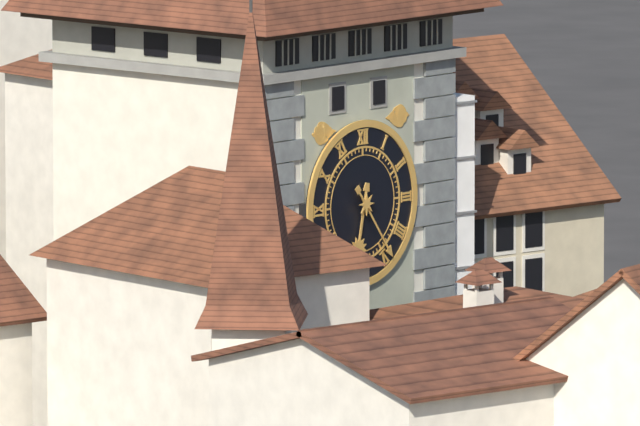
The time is 6h24
